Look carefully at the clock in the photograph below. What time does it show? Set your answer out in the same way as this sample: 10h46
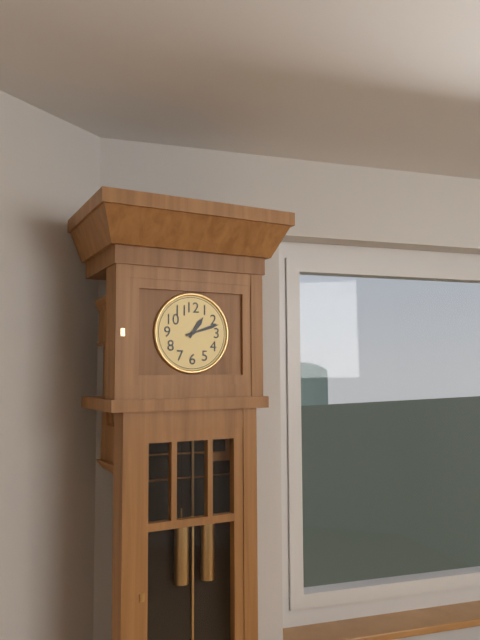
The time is 1h12
